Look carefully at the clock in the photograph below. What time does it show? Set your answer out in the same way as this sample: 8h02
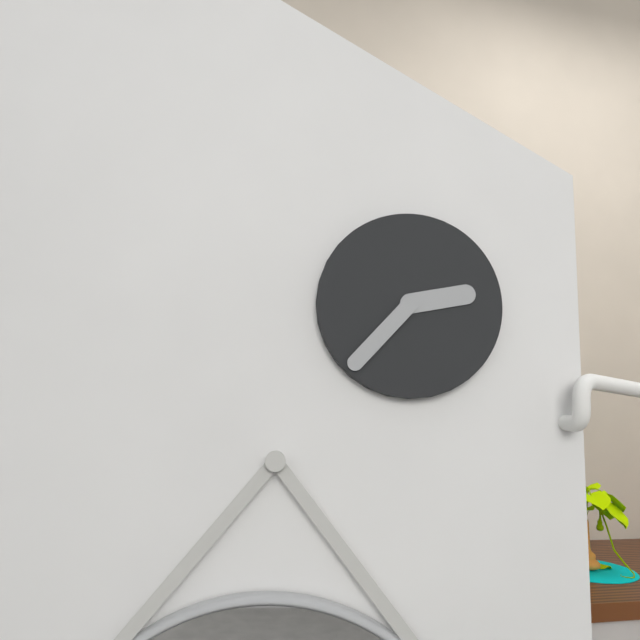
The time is 2h37
